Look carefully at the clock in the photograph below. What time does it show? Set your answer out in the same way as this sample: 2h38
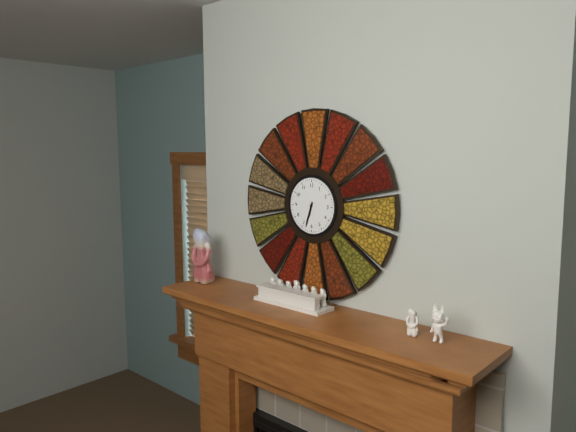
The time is 6h33
